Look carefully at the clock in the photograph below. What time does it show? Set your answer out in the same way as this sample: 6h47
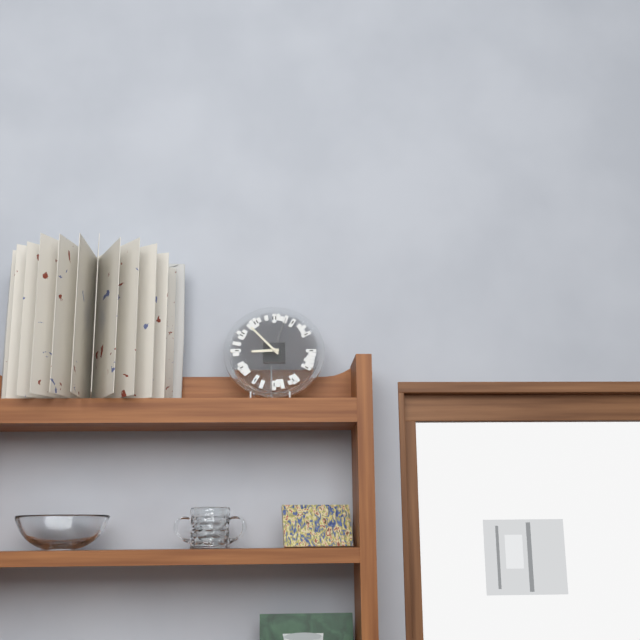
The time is 8h53
